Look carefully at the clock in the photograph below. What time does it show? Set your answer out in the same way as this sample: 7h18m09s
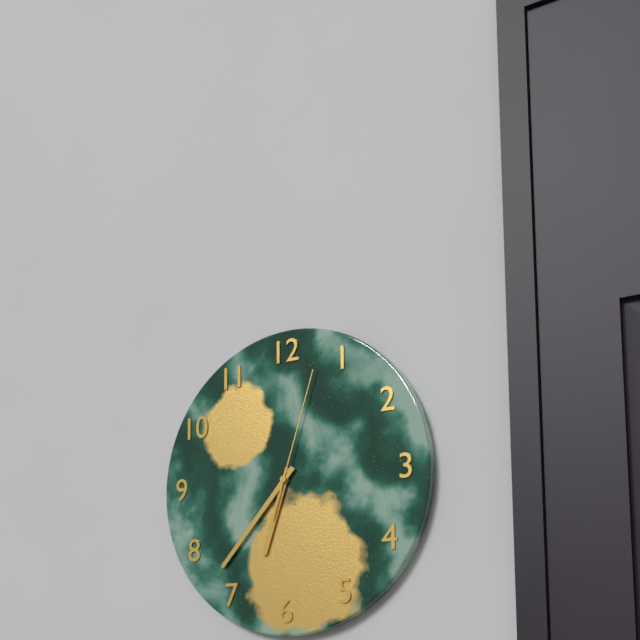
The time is 6h37m03s
